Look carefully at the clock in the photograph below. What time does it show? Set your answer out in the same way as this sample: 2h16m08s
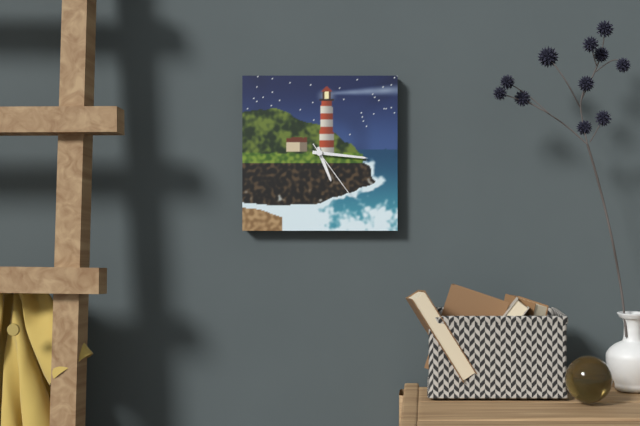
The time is 5h16m24s
